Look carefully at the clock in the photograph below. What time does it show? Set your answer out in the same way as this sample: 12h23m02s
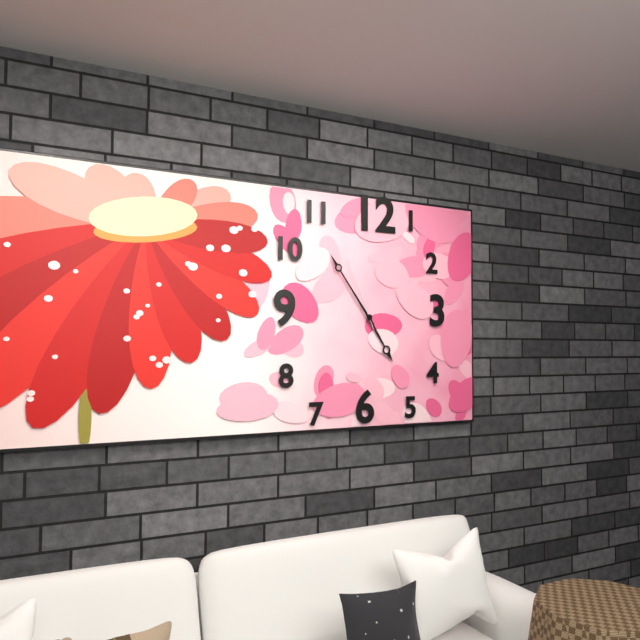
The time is 4h54m56s
